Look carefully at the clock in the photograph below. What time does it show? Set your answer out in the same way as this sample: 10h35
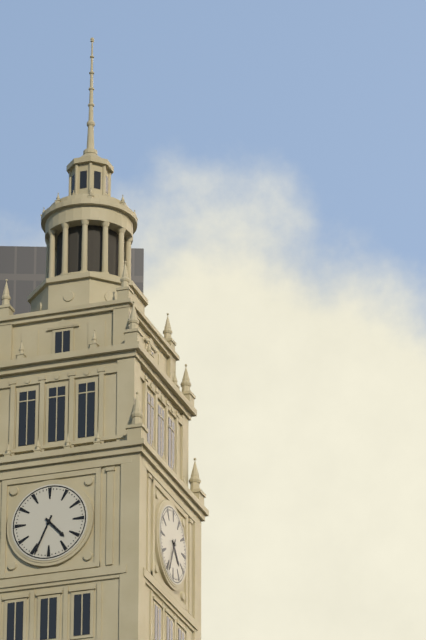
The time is 4h34
